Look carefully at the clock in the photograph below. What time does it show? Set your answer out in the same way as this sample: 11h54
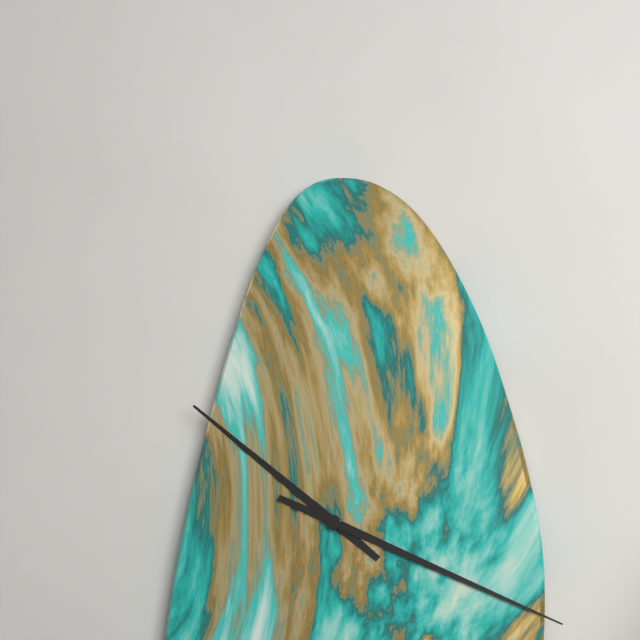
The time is 10h19
